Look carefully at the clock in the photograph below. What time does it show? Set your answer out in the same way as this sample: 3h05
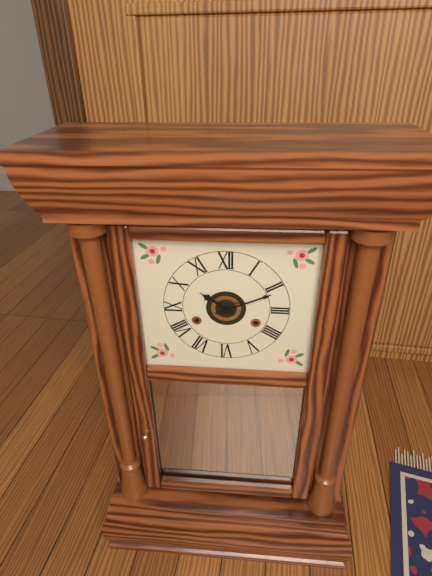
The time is 10h11
